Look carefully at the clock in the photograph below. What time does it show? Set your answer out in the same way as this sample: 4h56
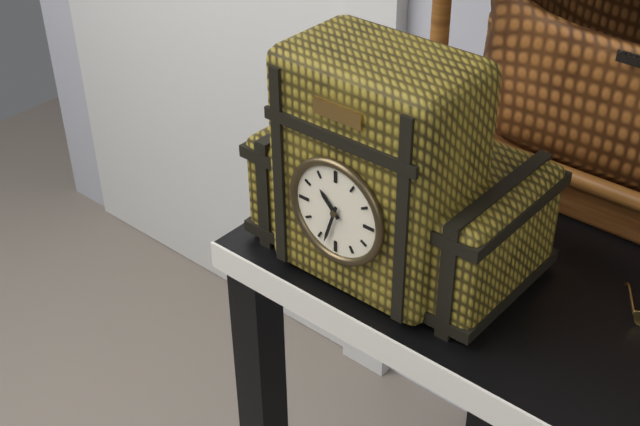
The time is 10h33
